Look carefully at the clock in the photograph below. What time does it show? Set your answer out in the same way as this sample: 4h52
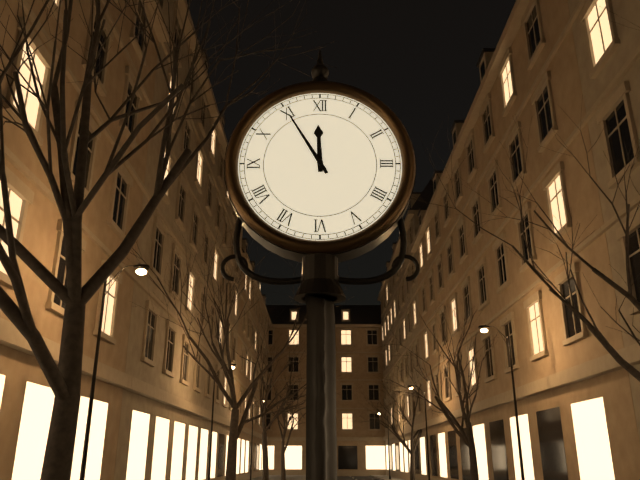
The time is 11h55
